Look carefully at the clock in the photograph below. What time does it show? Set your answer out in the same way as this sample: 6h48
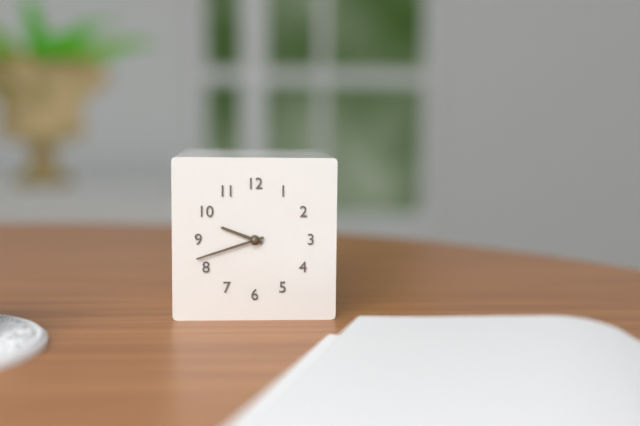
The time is 9h42
